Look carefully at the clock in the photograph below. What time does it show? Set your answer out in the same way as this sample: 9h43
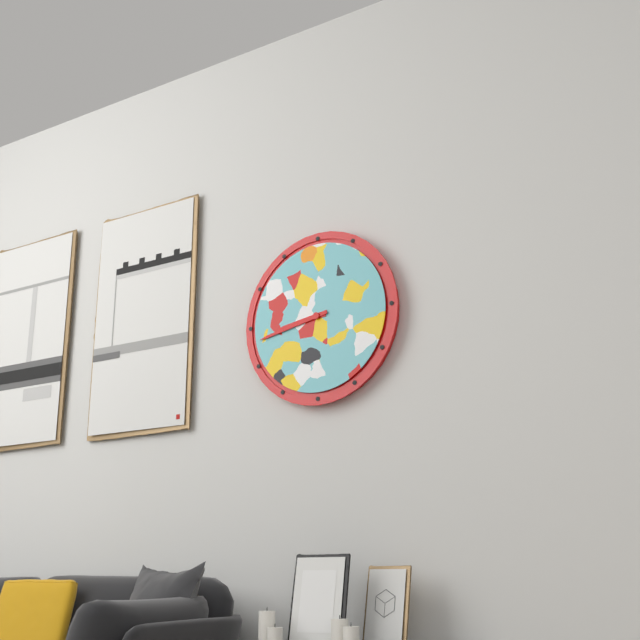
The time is 8h43
